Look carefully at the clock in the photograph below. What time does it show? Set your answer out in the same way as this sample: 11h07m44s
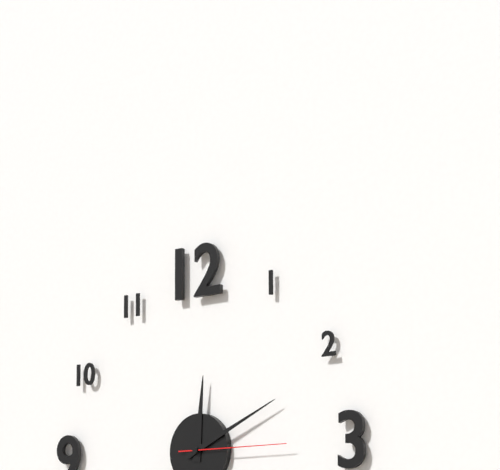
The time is 12h11m15s
